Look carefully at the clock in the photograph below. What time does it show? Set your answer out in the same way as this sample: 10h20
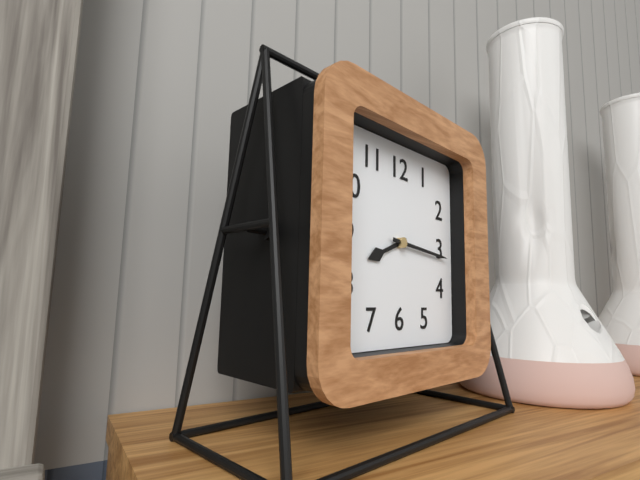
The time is 8h16
